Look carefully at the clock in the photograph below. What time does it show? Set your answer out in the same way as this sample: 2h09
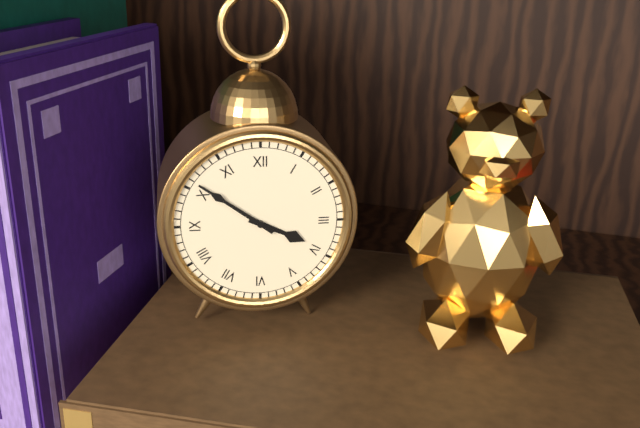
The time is 3h51
